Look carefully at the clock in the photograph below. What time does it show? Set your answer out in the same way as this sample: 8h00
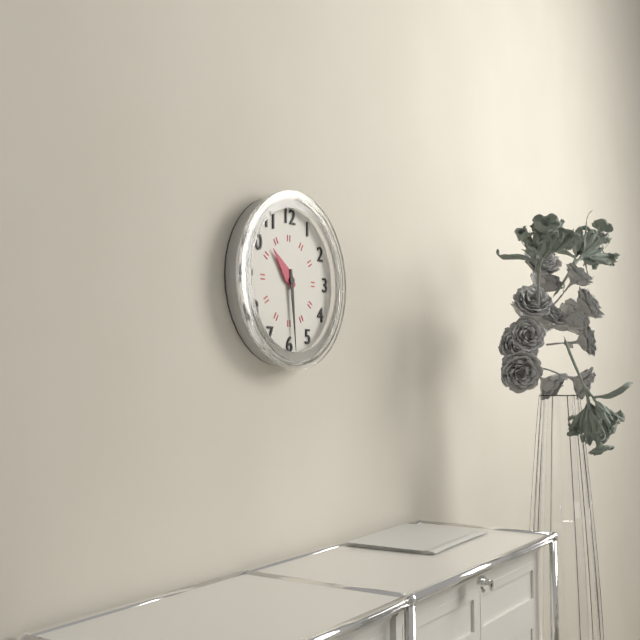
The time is 10h29
